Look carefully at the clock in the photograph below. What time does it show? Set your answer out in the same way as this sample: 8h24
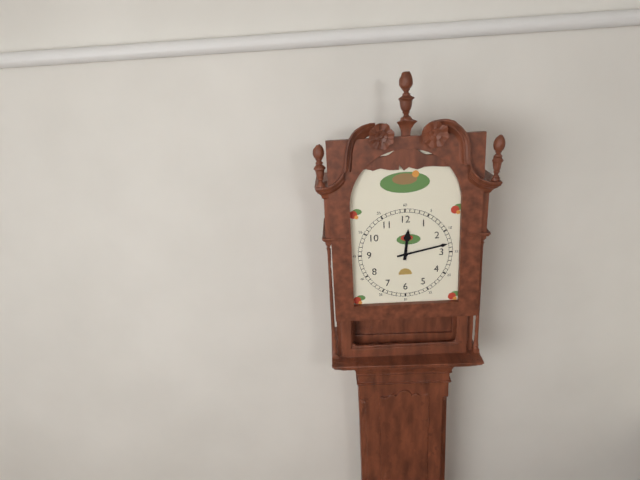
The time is 12h13
